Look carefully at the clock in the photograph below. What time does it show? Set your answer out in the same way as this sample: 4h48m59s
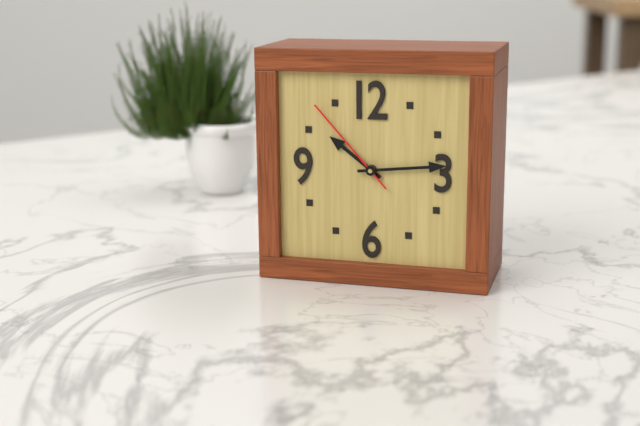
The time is 10h14m53s
